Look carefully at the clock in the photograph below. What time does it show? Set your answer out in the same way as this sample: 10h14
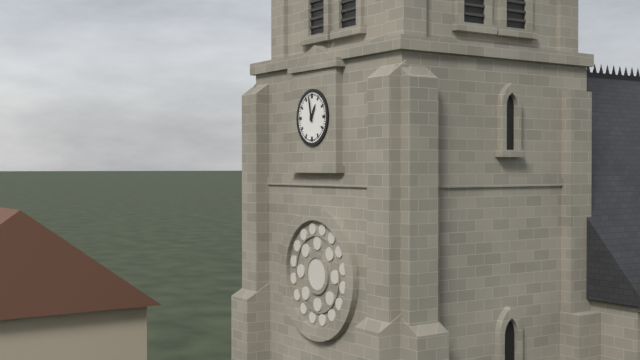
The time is 12h58
